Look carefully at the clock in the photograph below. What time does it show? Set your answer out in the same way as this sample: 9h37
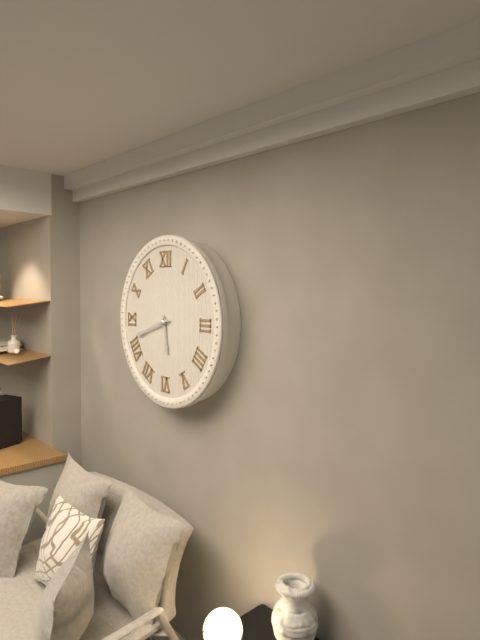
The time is 5h42
